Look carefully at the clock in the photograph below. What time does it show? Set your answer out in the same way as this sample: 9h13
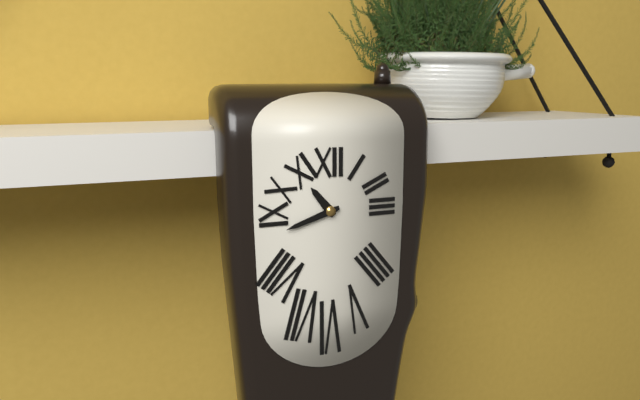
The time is 10h42
